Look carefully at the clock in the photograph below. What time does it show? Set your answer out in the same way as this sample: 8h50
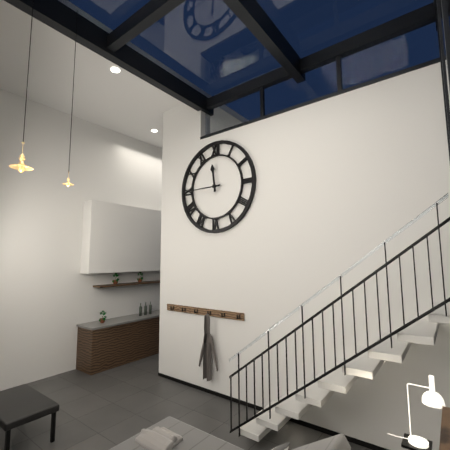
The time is 11h45
